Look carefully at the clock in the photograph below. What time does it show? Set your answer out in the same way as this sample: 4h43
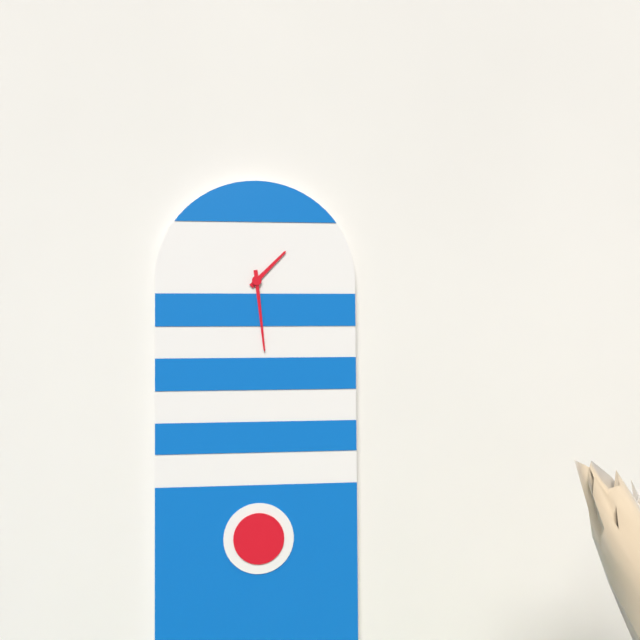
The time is 1h29
